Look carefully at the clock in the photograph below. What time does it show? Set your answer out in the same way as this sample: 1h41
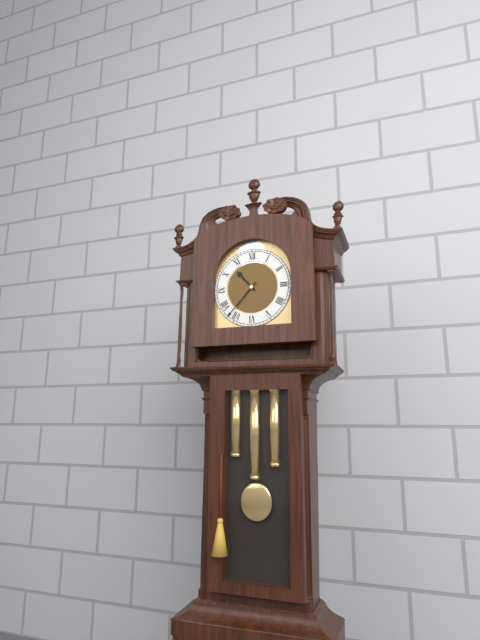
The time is 10h37
